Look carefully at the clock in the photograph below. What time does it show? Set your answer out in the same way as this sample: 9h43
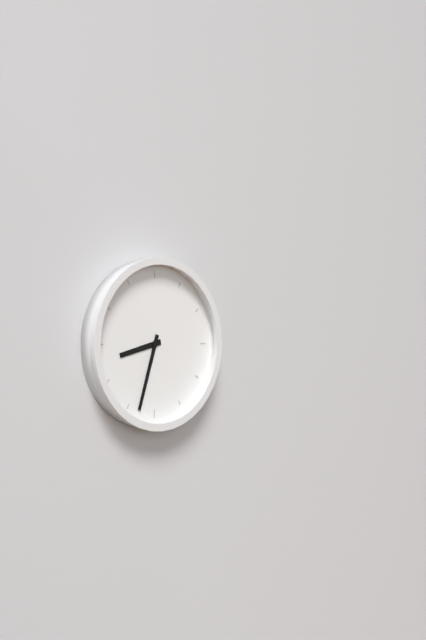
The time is 8h33
